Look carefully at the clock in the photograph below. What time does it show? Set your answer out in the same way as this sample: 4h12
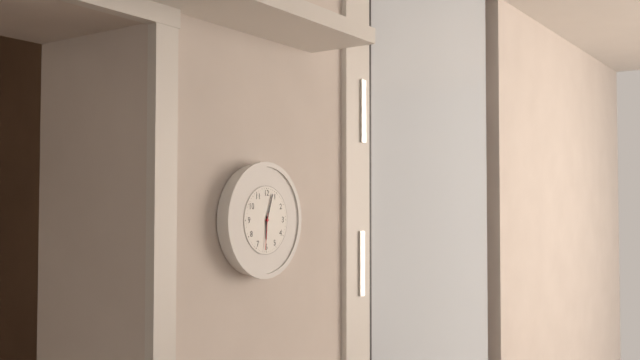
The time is 6h03
